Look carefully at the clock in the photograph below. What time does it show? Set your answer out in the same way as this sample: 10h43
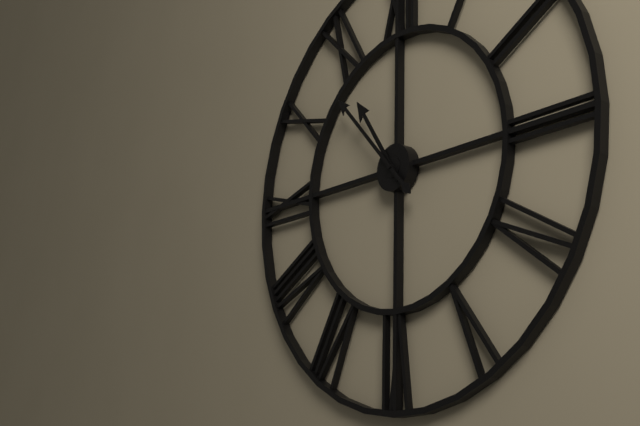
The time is 10h53
